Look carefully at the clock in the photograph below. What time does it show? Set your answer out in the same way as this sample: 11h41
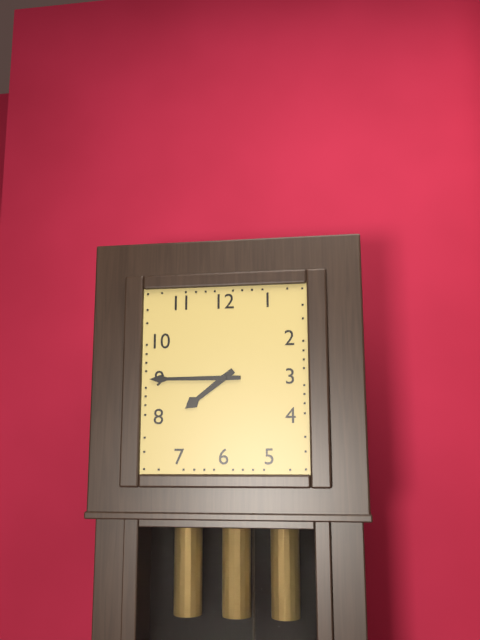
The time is 7h45
